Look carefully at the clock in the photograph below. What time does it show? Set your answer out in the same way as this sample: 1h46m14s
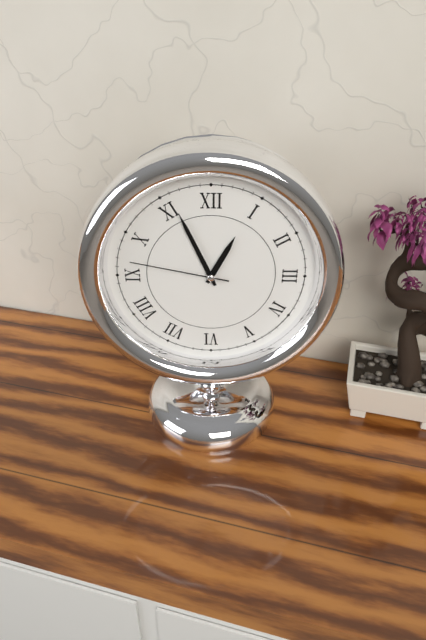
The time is 12h56m47s
